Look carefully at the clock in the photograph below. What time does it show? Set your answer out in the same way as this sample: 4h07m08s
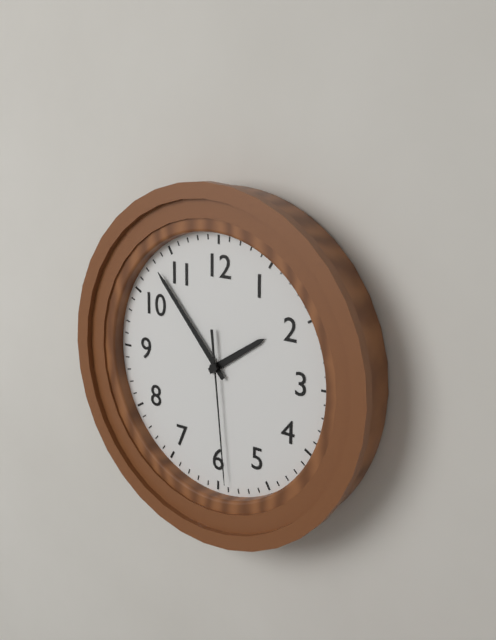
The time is 1h53m29s
